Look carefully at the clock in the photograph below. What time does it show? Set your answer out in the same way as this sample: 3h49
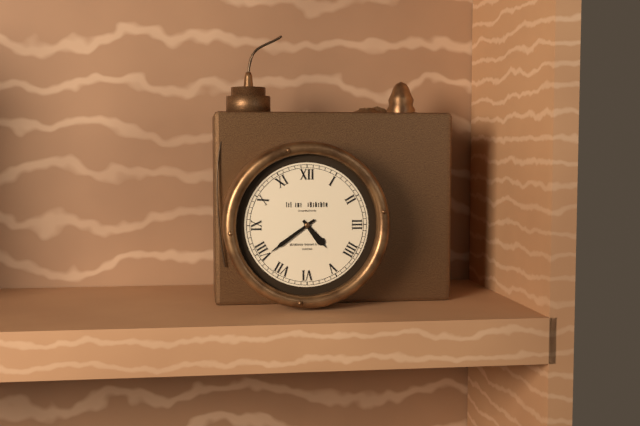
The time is 4h39
